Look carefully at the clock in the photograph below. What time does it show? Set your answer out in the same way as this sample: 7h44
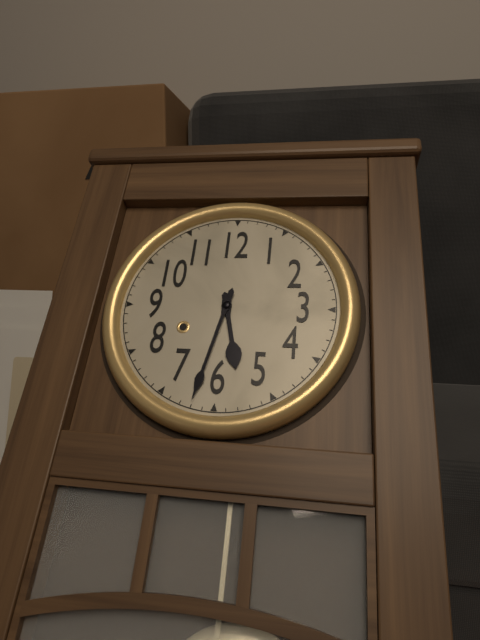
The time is 5h32
